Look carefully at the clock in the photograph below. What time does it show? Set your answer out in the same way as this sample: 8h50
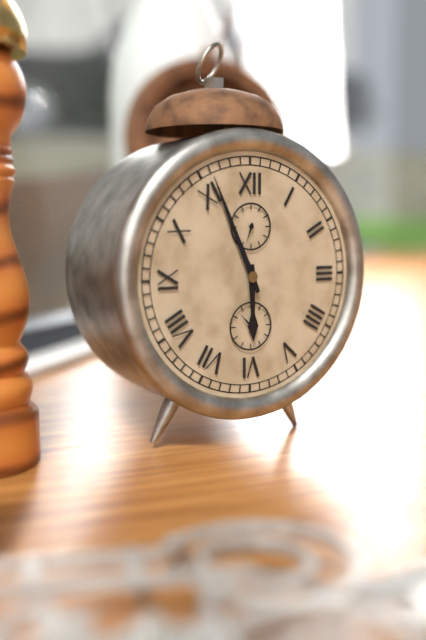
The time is 5h56
